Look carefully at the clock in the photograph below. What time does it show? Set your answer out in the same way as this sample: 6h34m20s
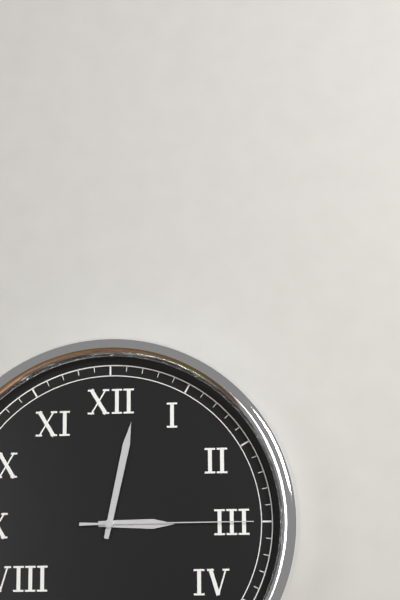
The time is 3h02m15s
